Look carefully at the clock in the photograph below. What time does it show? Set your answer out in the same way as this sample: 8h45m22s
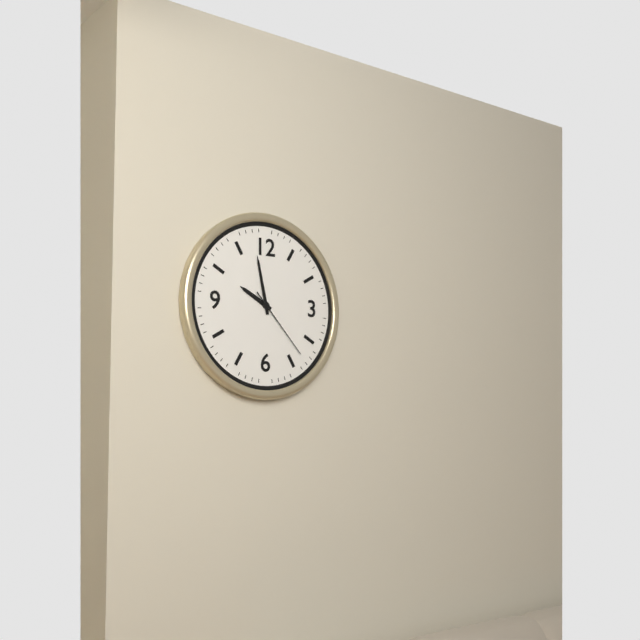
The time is 9h58m23s
